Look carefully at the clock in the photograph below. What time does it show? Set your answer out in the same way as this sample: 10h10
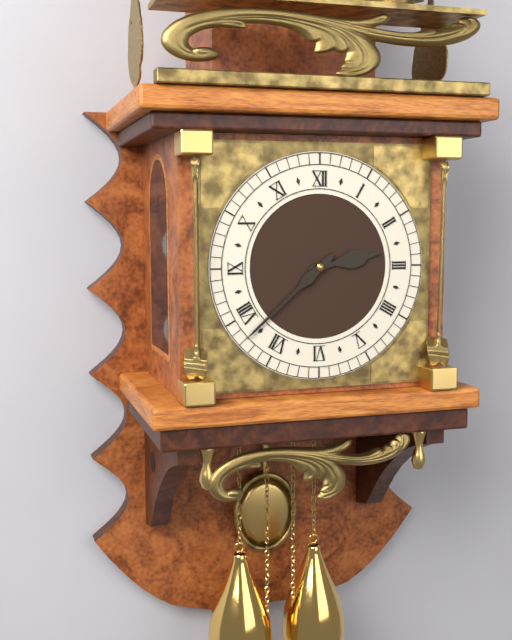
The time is 2h38
